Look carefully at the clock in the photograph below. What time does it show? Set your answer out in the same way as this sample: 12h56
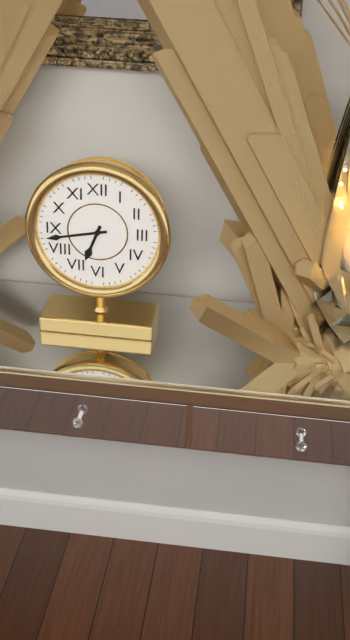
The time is 6h43
